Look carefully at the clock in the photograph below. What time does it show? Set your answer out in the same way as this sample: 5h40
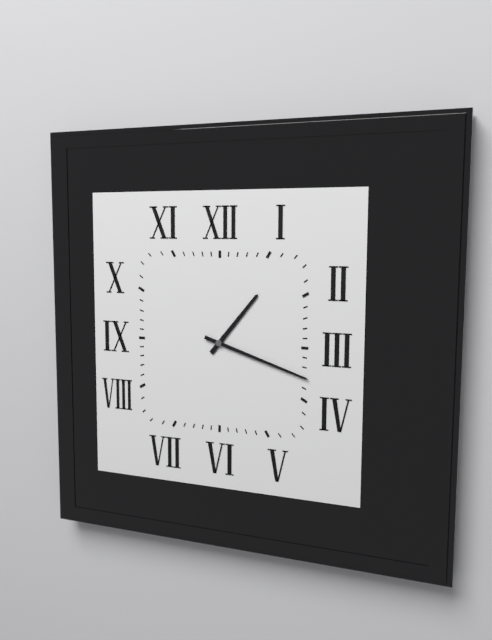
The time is 1h18
